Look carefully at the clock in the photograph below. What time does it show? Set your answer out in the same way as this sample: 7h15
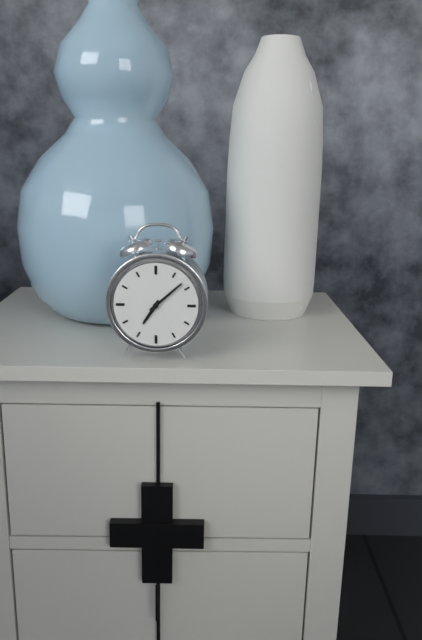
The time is 7h08
